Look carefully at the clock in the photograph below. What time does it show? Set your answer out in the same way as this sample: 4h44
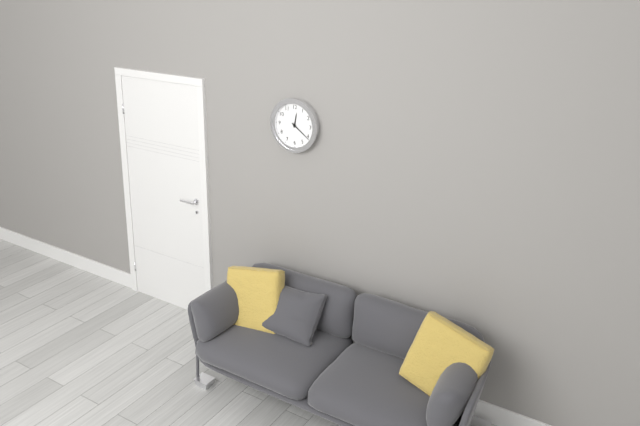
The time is 12h21
